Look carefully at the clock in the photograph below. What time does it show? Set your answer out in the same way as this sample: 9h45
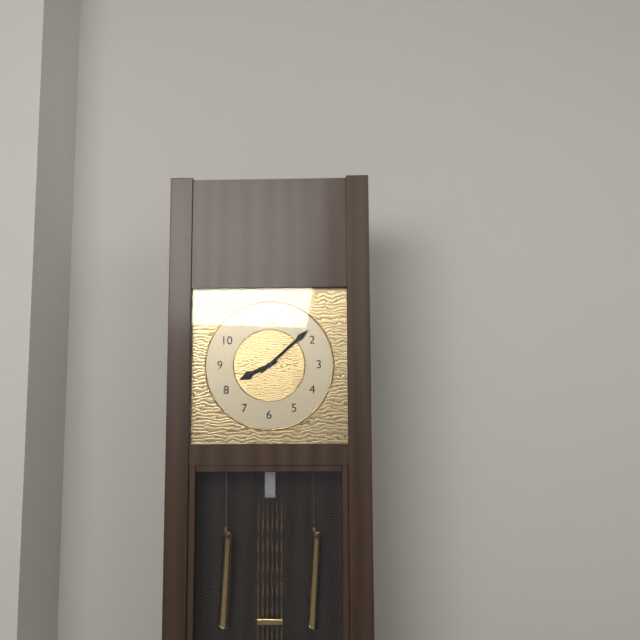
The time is 8h08
